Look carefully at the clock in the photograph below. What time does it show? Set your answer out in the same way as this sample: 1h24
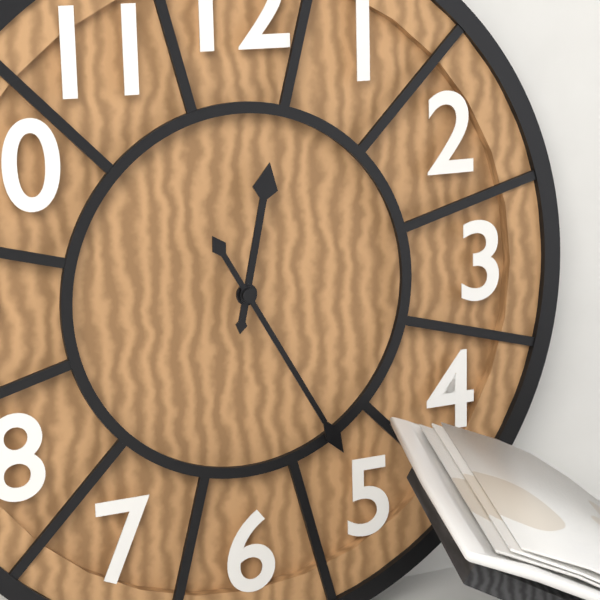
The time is 12h25
